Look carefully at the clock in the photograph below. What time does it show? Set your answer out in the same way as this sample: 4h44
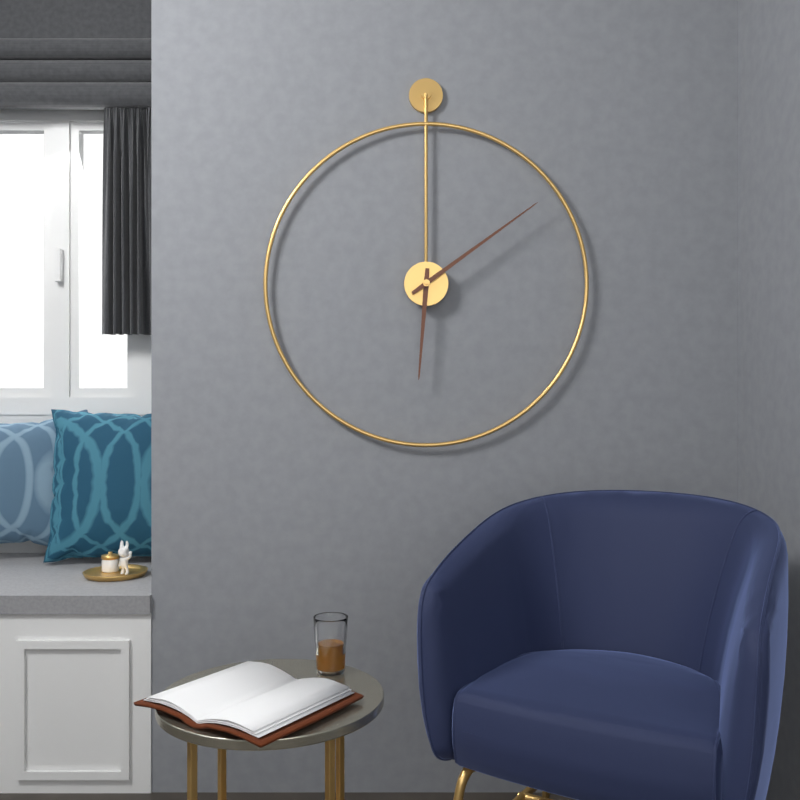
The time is 6h09
